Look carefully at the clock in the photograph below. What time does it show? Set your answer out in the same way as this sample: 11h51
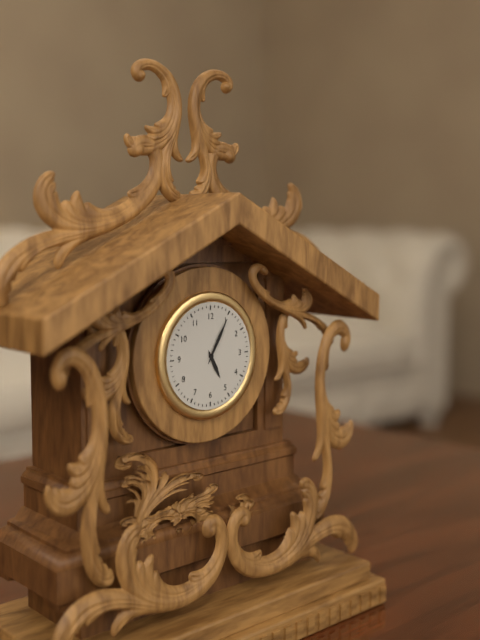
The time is 5h05
